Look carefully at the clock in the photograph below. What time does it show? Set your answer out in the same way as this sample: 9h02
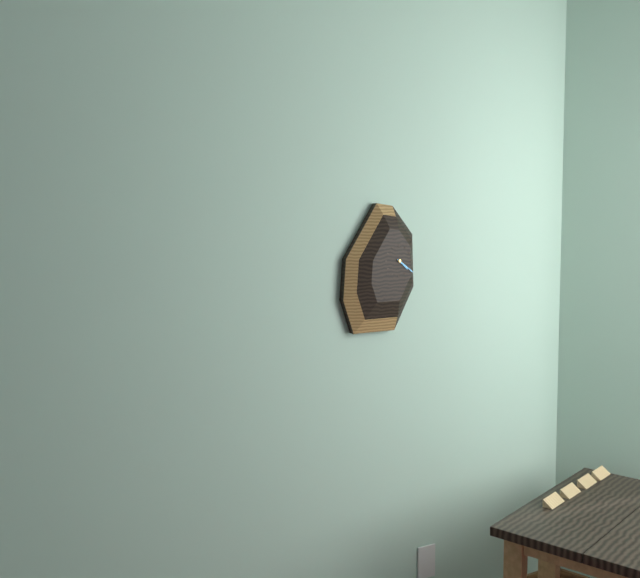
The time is 4h21
